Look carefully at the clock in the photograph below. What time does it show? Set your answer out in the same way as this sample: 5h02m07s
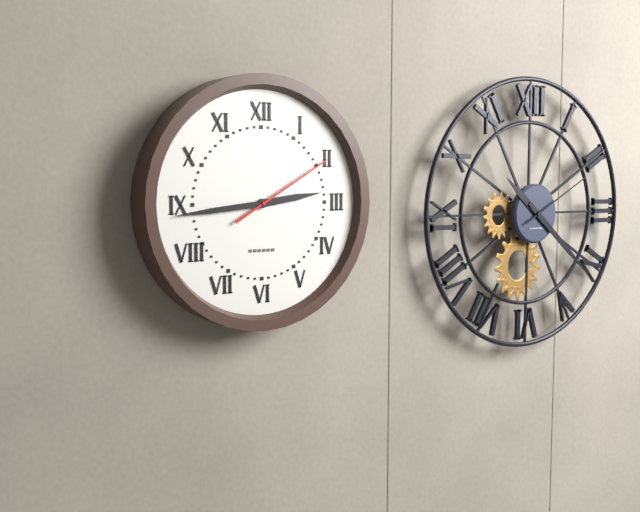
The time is 2h44m10s
